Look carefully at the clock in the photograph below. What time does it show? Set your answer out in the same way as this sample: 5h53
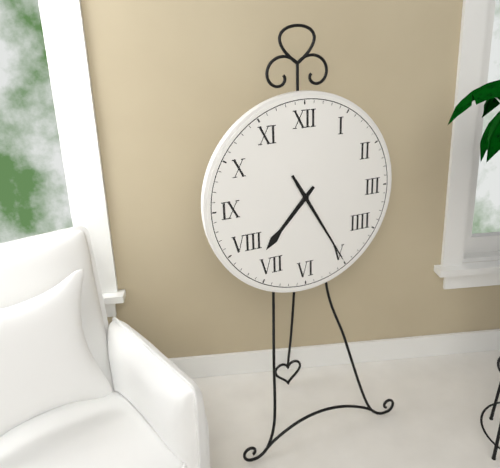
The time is 7h25
